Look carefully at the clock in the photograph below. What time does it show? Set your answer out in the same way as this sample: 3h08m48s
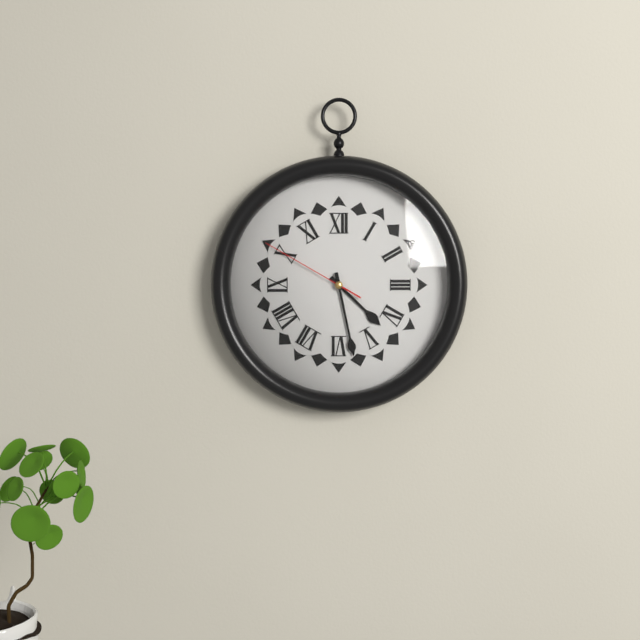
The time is 4h28m50s
